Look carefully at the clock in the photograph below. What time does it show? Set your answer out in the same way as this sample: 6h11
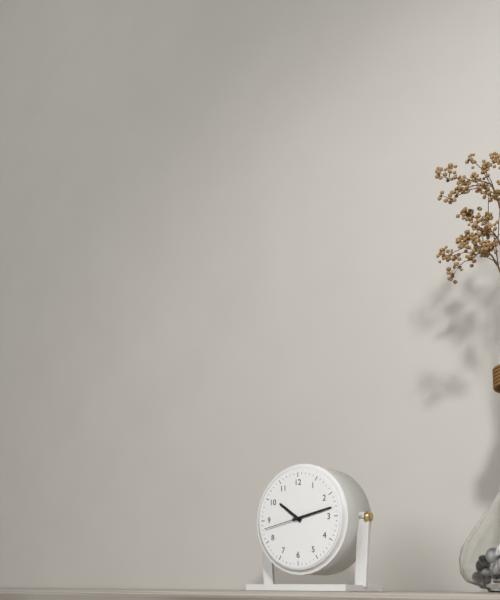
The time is 10h13
